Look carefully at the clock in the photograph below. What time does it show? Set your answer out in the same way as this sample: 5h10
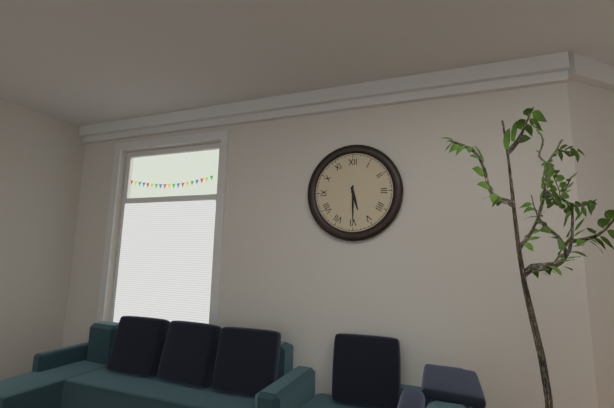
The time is 5h30
